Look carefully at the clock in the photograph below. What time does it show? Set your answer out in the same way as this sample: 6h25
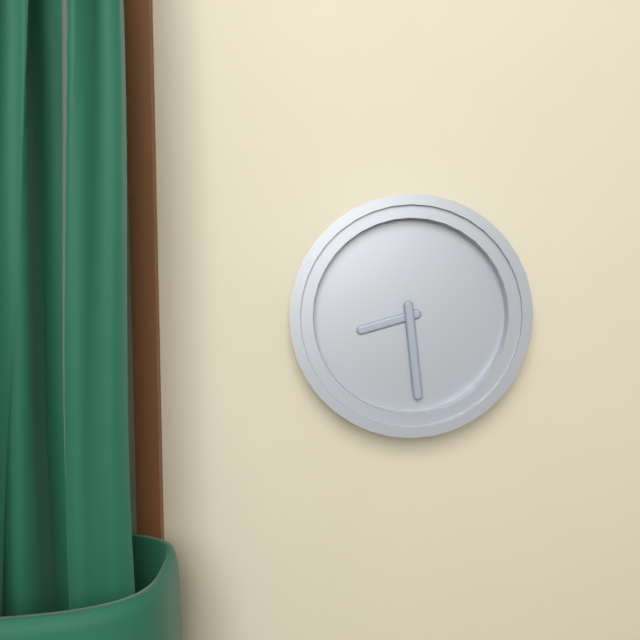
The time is 8h29
